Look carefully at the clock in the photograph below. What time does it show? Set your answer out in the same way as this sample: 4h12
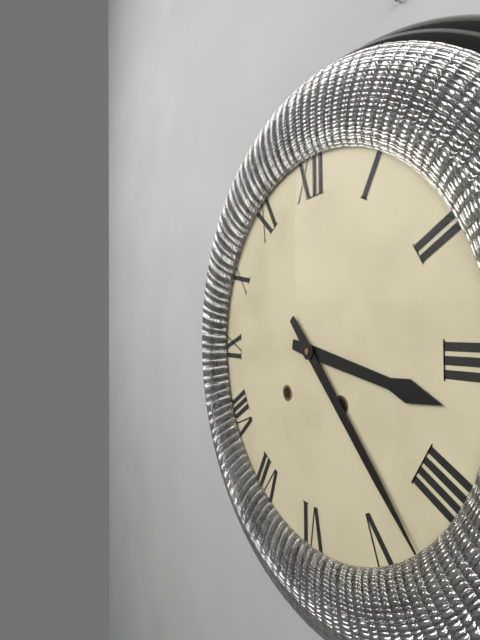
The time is 3h23
